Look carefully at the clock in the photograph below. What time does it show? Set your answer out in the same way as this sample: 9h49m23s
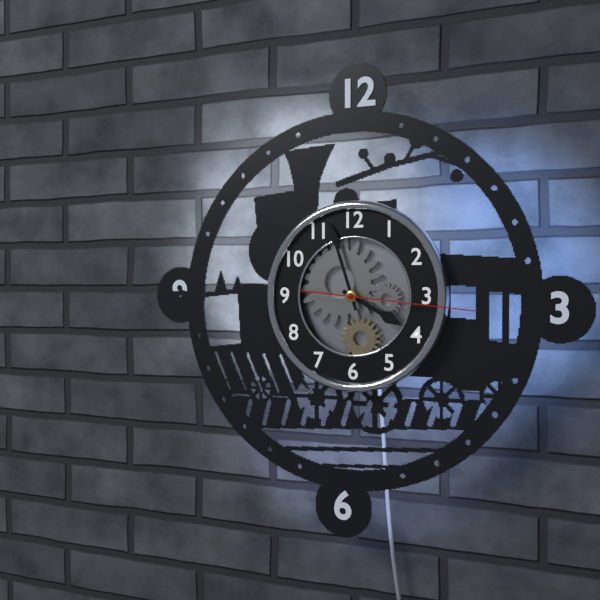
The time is 3h57m16s
